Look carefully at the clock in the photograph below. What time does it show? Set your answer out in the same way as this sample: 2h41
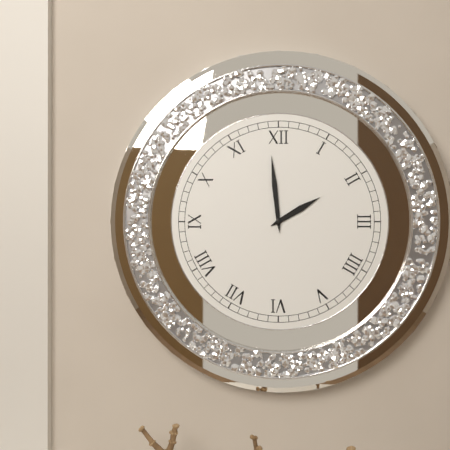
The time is 1h59
